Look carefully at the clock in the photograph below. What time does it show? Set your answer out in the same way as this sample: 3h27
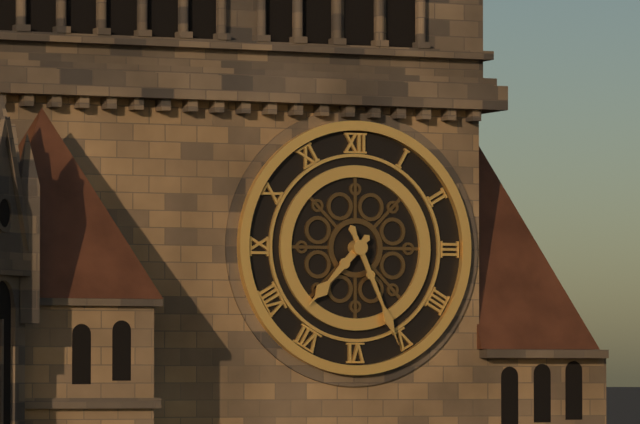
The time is 7h26
